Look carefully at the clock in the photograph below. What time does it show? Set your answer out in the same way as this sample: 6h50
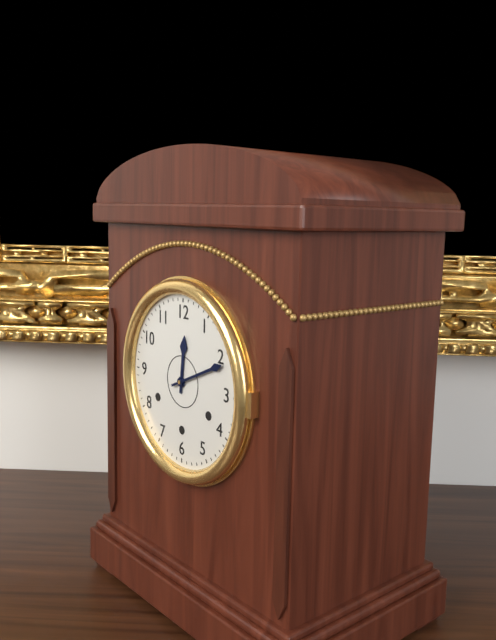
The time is 12h11
